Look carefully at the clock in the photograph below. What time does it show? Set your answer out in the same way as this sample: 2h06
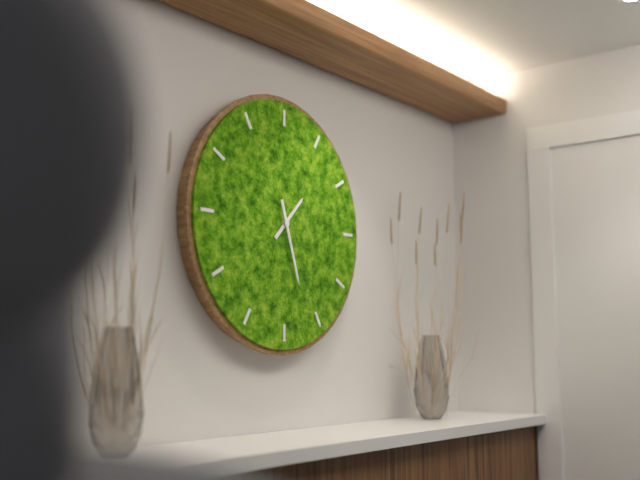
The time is 1h27
